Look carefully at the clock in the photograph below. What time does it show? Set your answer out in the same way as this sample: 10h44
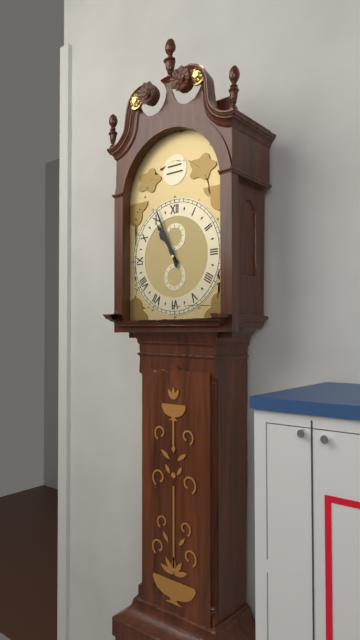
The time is 10h56
